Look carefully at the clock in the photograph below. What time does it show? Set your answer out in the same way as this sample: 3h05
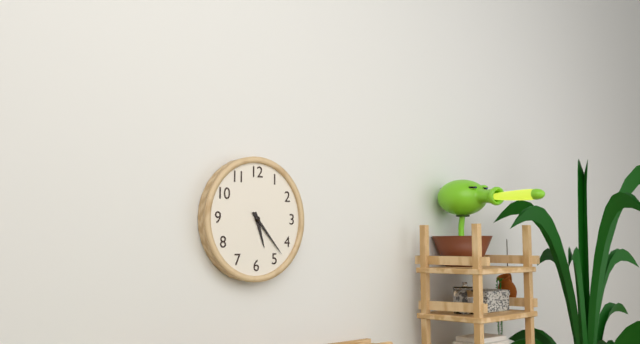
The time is 5h23
